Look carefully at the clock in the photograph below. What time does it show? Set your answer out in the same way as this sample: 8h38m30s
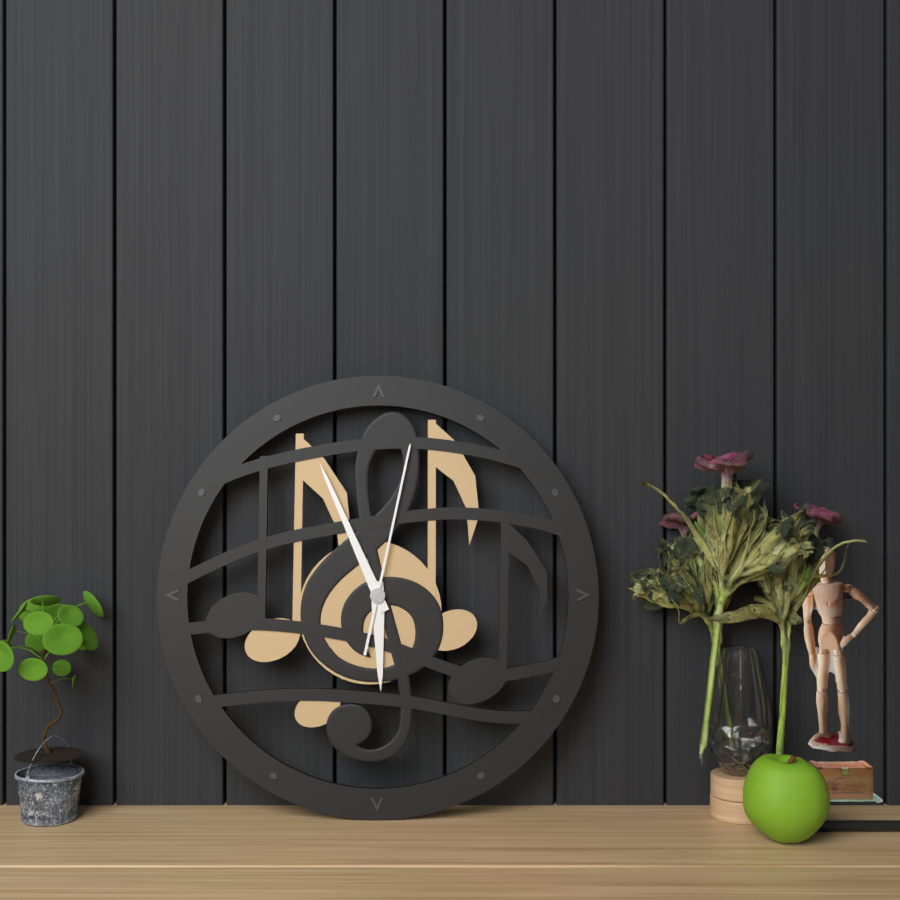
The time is 5h56m02s
